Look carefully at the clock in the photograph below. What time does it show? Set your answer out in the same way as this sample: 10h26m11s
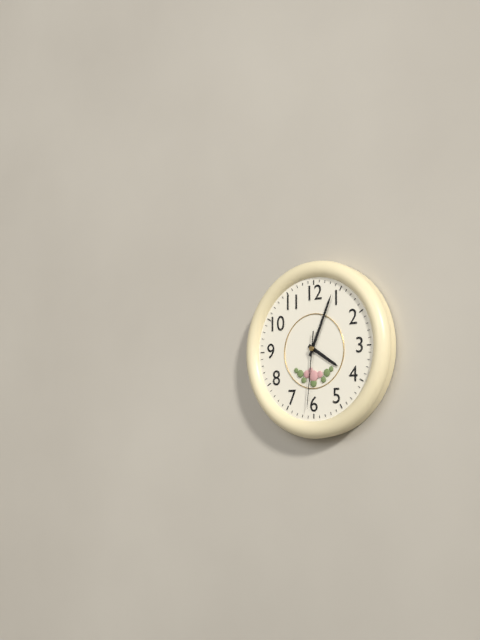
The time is 4h04m31s
